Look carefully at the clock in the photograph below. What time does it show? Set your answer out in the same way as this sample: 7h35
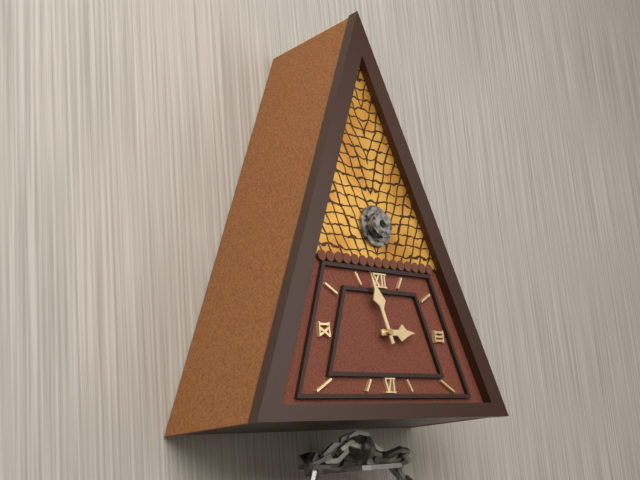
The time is 2h57
